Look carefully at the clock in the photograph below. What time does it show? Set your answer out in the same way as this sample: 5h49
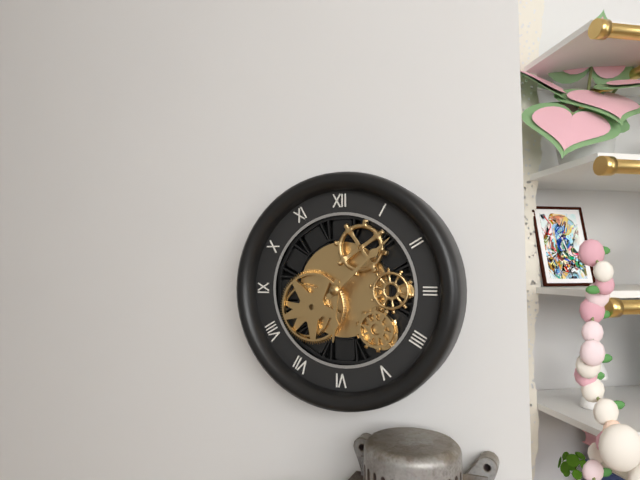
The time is 6h08
